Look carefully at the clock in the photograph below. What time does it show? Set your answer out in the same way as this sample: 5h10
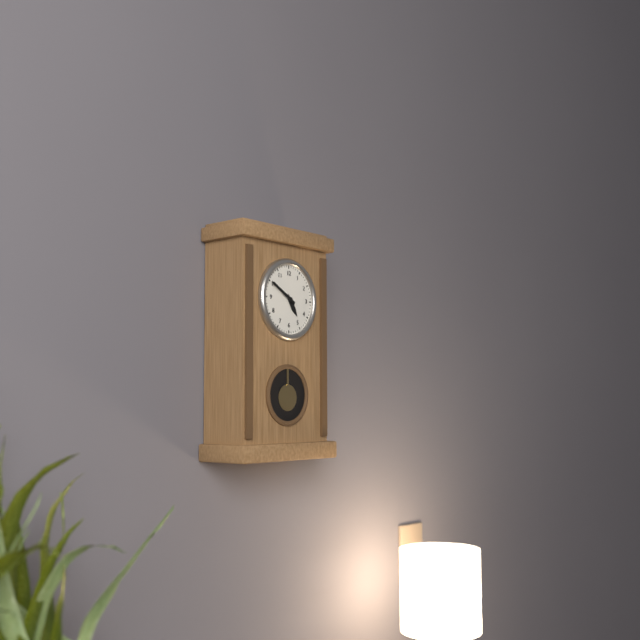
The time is 4h50
